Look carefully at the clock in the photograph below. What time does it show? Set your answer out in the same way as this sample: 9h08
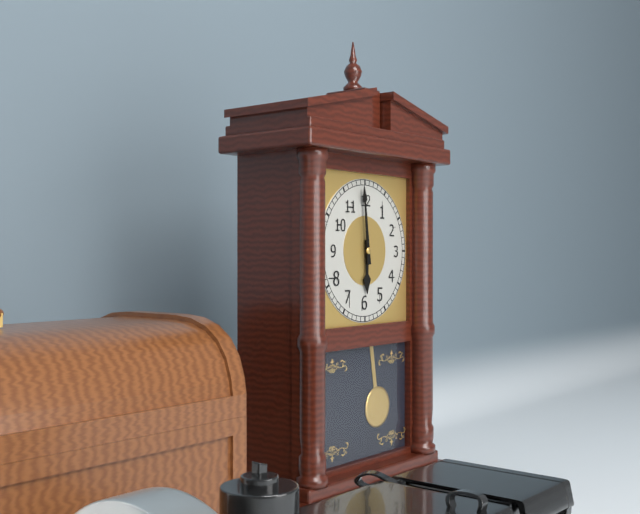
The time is 5h59
